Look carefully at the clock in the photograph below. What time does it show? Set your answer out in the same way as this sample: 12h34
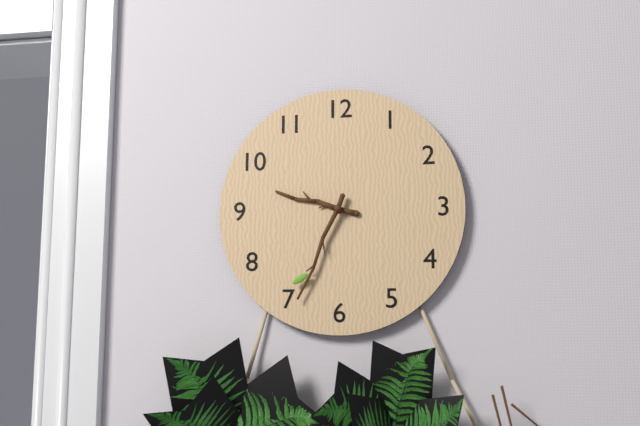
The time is 9h34
